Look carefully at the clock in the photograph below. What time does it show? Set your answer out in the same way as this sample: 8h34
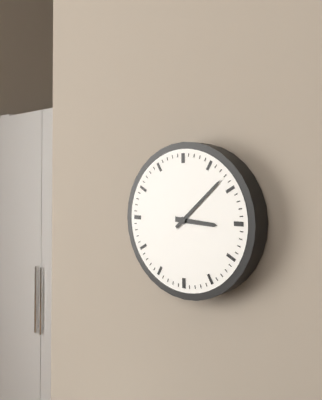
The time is 3h08
